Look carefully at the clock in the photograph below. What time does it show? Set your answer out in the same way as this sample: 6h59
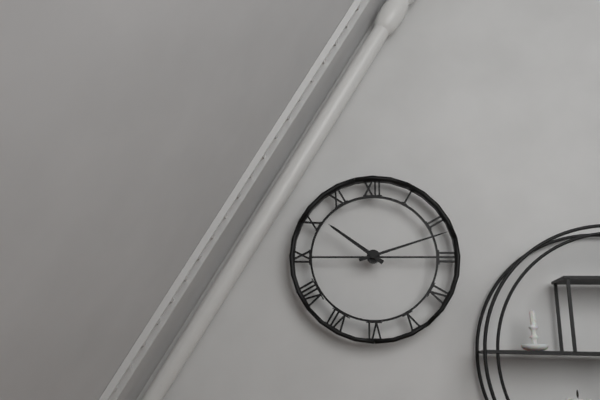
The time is 10h12
